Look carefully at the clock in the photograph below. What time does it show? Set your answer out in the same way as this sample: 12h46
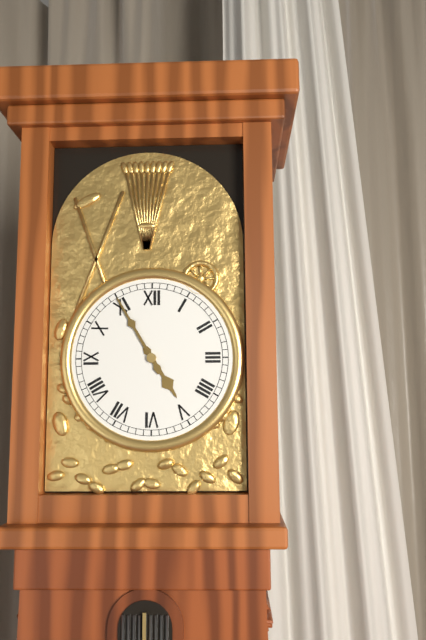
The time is 4h55
